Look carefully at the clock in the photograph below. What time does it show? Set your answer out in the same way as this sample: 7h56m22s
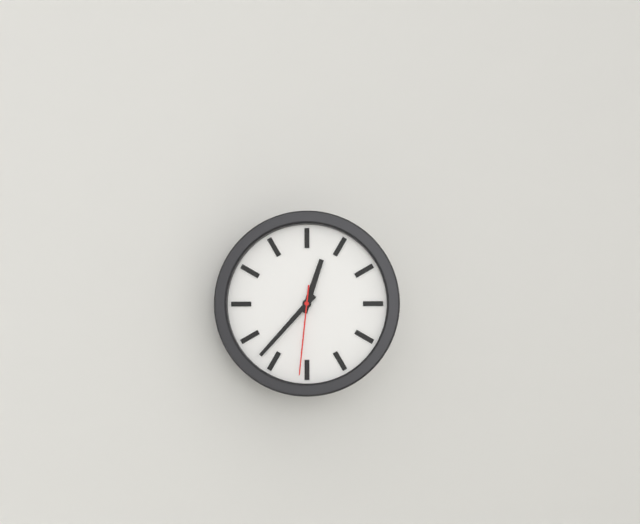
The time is 12h37m31s
